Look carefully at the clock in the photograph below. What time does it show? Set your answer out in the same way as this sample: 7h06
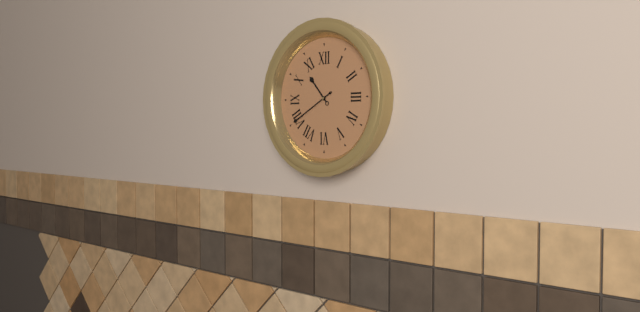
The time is 10h40
